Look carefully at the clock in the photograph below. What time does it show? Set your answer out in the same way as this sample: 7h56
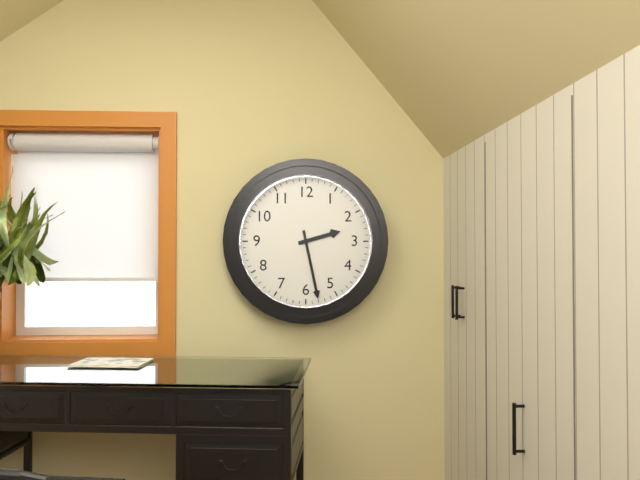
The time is 2h28
